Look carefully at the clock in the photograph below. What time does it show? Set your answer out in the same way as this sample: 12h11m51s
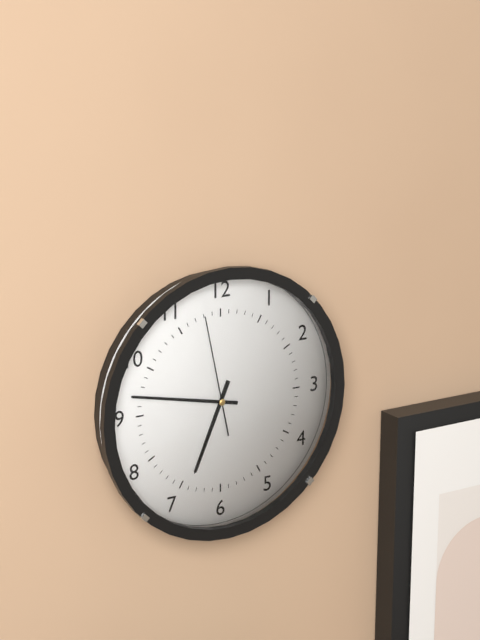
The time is 6h47m58s
